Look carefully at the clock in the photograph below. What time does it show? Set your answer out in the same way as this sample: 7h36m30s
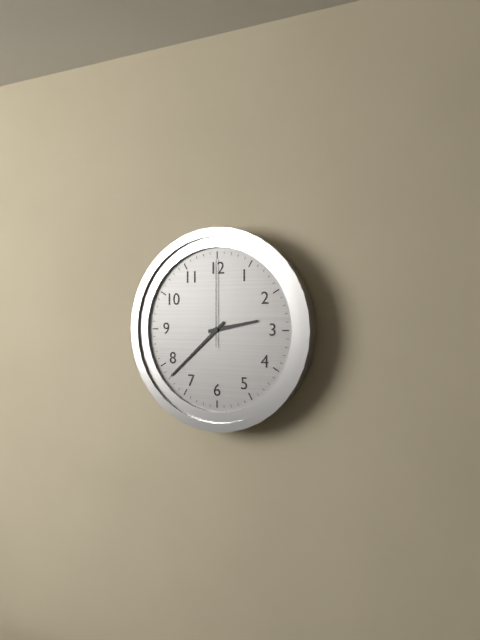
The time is 2h38m00s
